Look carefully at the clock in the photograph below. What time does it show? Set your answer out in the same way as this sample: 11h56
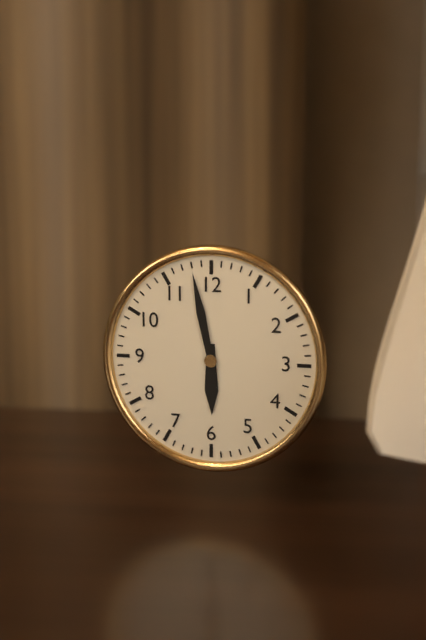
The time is 5h58
